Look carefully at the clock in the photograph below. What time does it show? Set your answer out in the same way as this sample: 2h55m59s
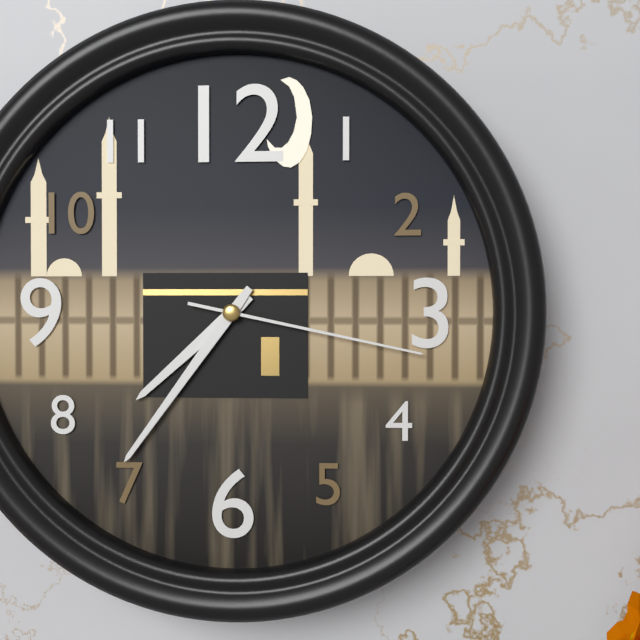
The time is 7h36m17s
